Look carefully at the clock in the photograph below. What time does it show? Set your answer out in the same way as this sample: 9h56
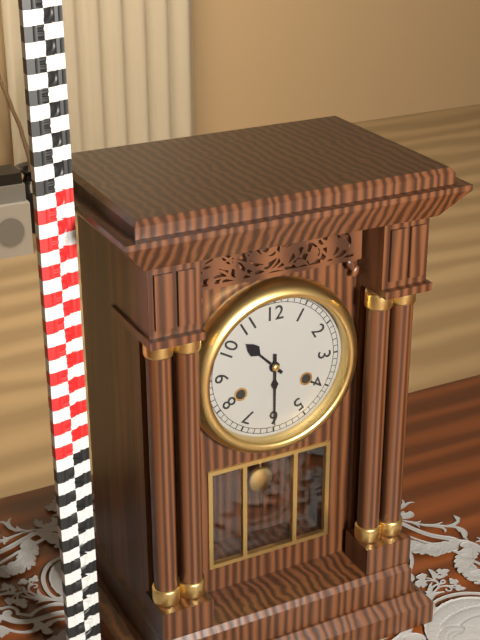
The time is 10h30
